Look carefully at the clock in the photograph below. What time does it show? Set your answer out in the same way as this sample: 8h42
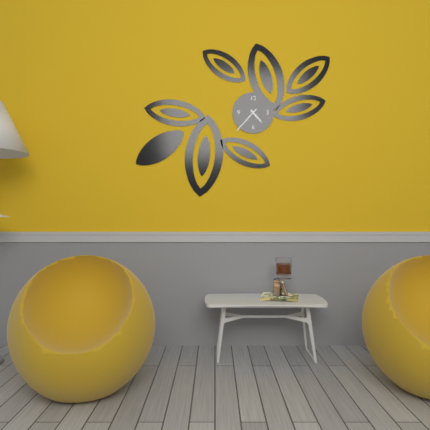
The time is 4h37
